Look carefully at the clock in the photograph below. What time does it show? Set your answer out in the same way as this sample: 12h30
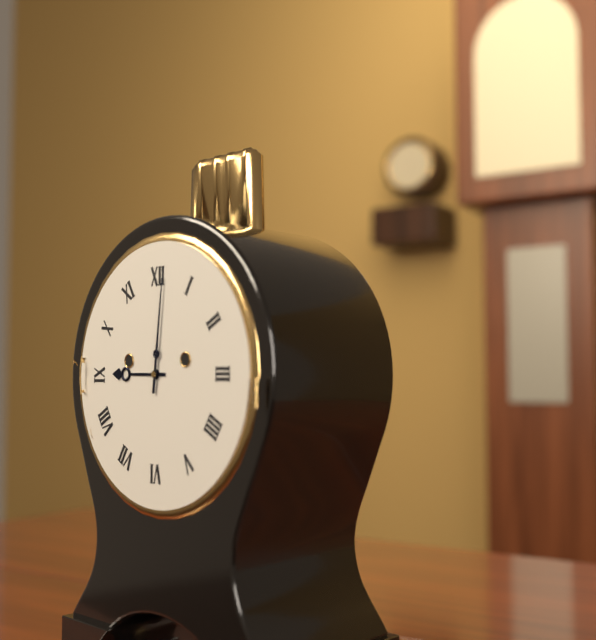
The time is 9h01
